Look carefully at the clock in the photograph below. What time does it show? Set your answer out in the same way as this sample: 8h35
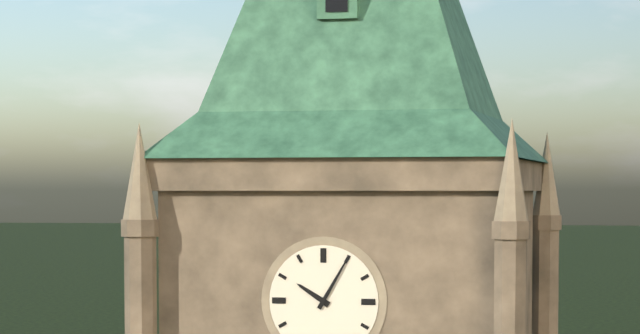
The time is 10h05
